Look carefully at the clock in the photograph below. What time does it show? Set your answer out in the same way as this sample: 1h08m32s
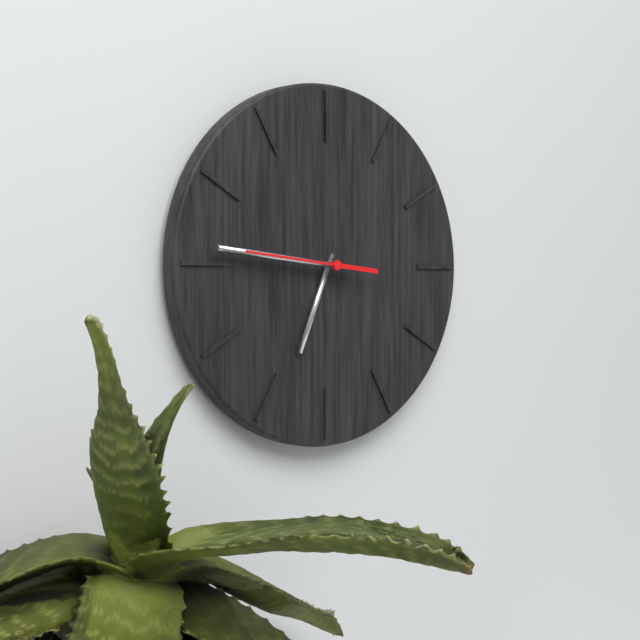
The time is 6h46m46s
